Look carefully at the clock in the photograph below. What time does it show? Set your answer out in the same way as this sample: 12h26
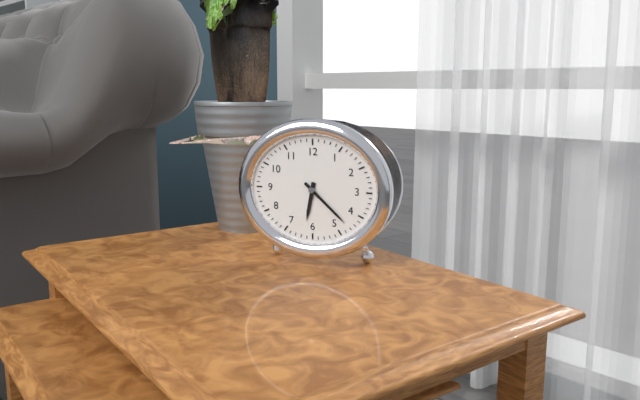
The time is 6h22
